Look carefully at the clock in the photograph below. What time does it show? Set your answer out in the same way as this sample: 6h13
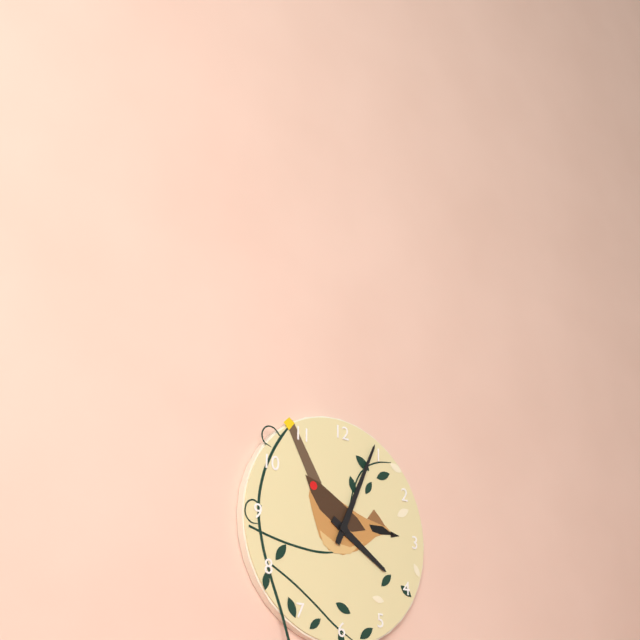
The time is 4h04
